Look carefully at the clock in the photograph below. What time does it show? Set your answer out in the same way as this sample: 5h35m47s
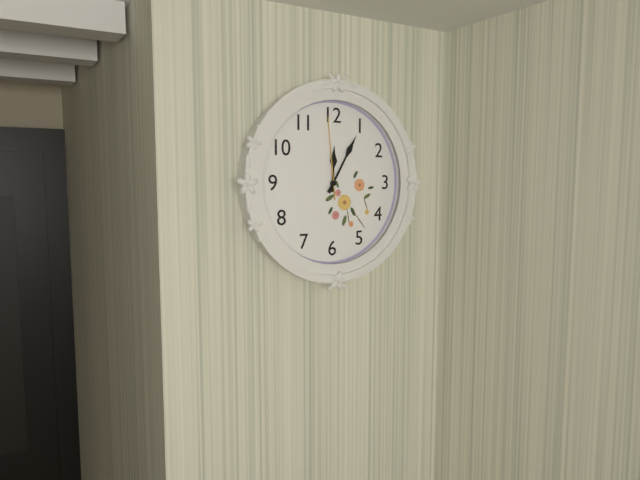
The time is 12h05m59s
